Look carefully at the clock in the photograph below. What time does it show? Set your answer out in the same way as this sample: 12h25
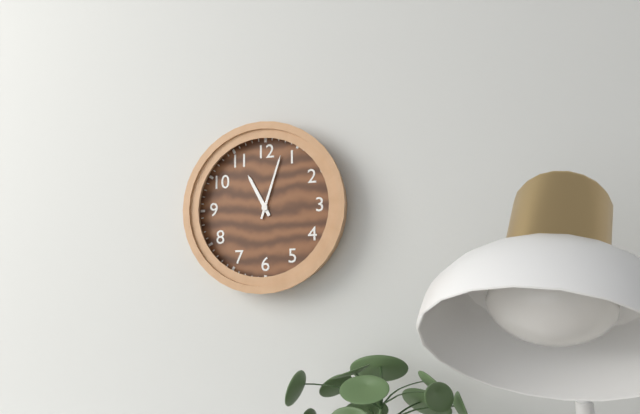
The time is 11h03
